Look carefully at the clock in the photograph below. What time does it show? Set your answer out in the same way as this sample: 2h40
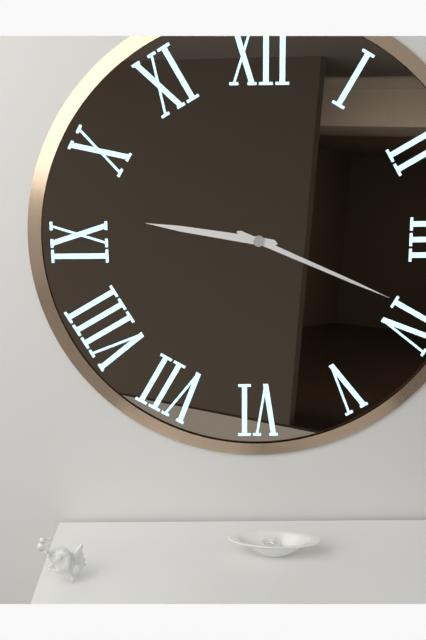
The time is 9h19
